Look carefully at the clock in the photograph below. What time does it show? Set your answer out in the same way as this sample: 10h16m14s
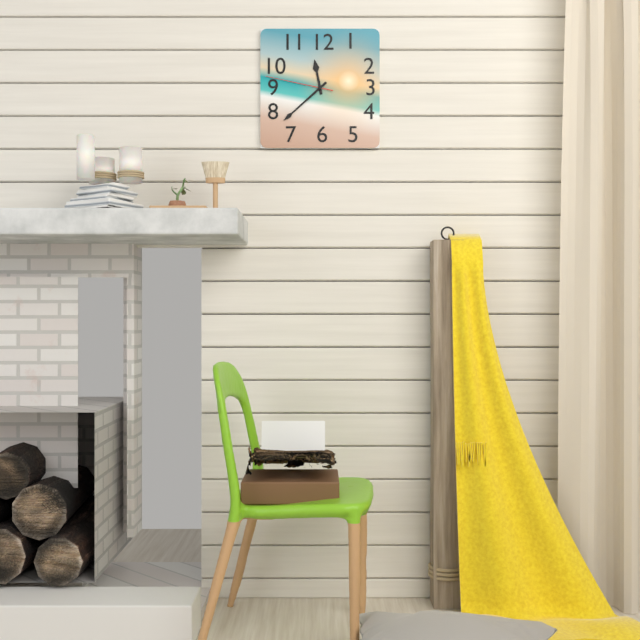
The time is 11h38m47s
